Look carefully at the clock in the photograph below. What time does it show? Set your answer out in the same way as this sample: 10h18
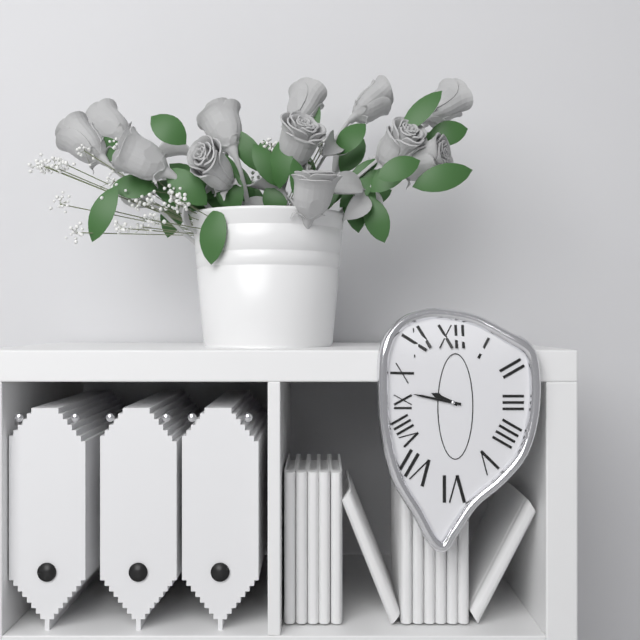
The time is 9h47
